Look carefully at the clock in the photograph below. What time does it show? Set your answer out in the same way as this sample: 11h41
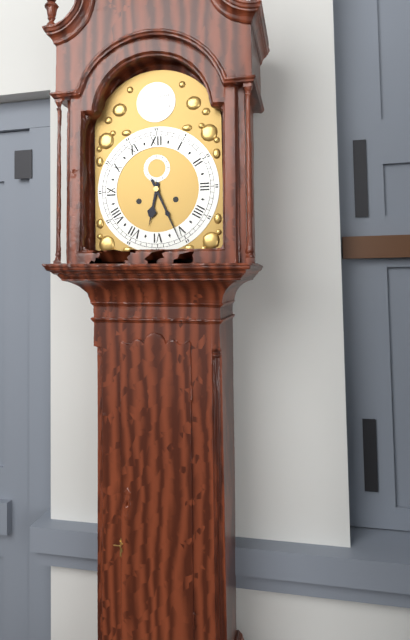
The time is 6h26
